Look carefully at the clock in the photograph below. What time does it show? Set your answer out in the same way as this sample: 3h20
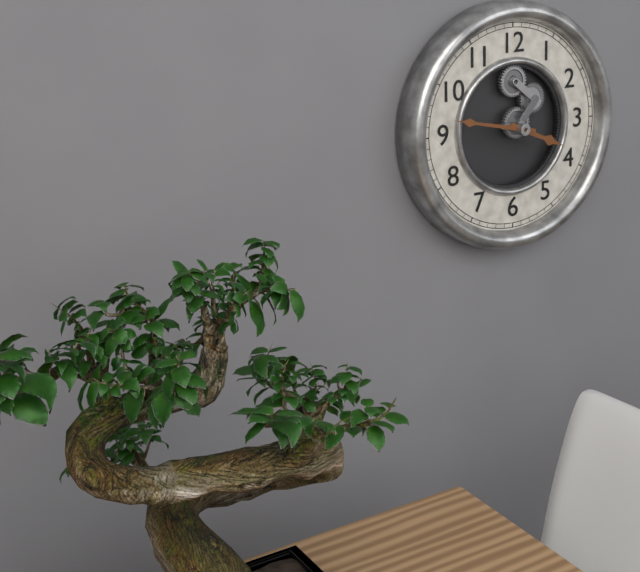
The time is 3h47
